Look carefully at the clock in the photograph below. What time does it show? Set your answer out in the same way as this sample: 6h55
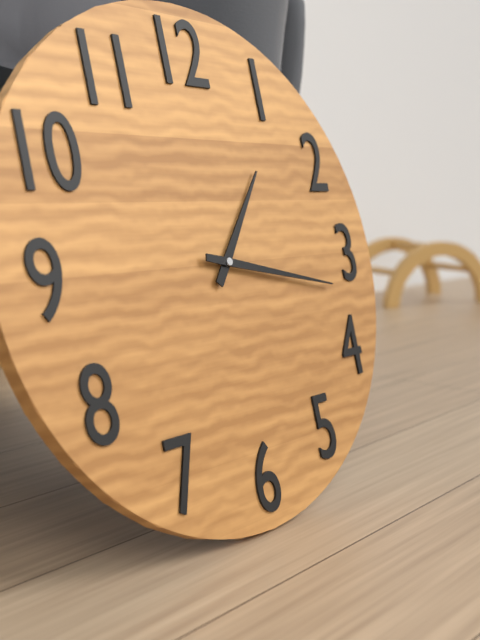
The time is 1h17
